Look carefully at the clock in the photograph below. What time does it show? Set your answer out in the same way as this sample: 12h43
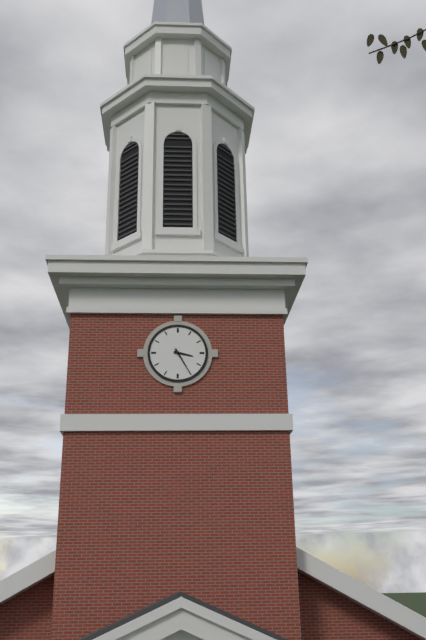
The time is 3h25
